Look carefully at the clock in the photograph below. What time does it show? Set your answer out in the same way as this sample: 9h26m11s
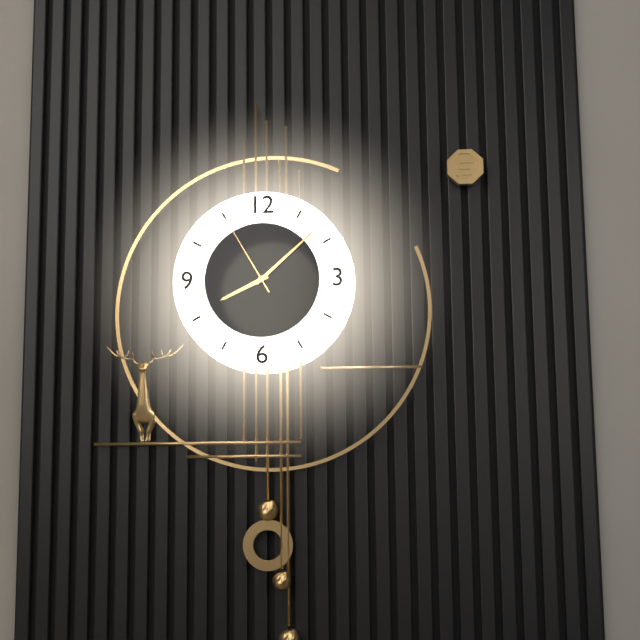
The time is 8h08m55s
